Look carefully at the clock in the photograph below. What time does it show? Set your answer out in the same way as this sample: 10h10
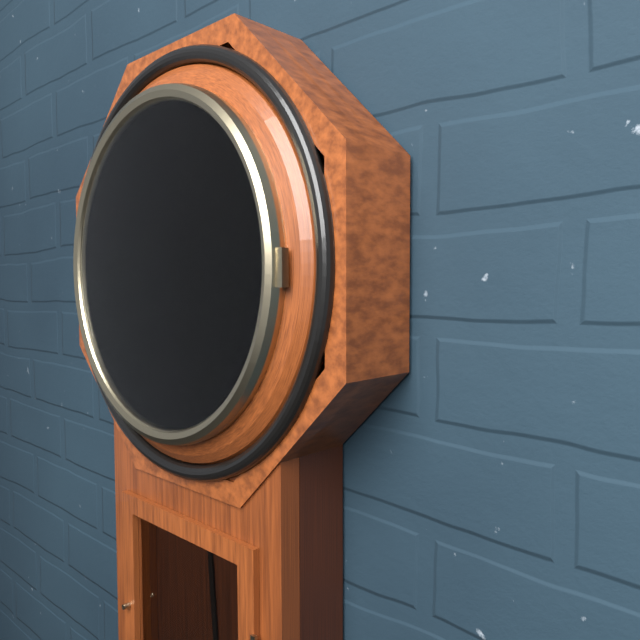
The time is 11h08
